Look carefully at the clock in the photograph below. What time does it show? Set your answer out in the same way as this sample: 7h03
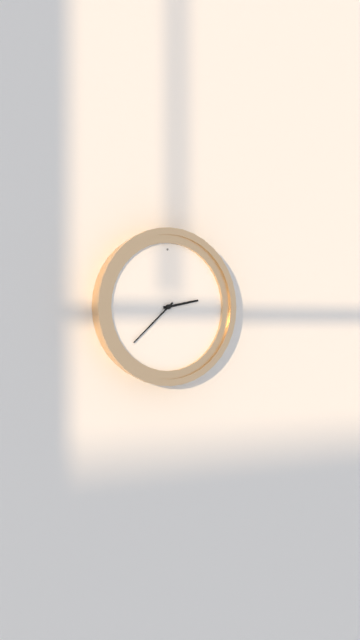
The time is 2h38
